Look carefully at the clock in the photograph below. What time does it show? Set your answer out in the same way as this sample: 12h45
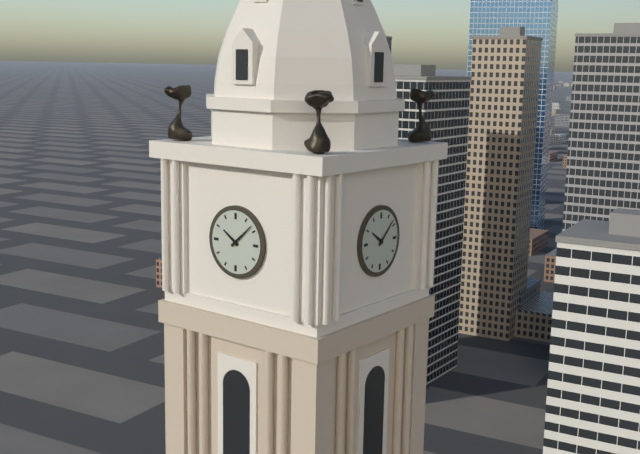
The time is 10h08
